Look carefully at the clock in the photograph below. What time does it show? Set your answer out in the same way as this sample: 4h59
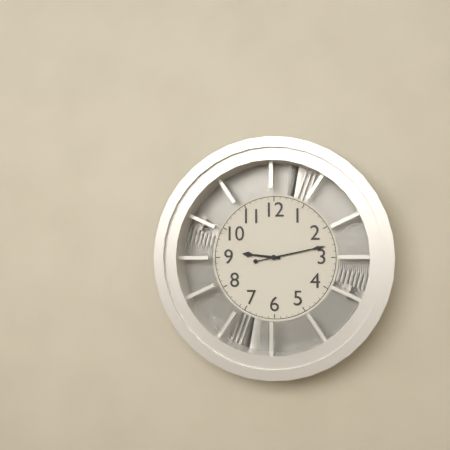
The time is 9h13
